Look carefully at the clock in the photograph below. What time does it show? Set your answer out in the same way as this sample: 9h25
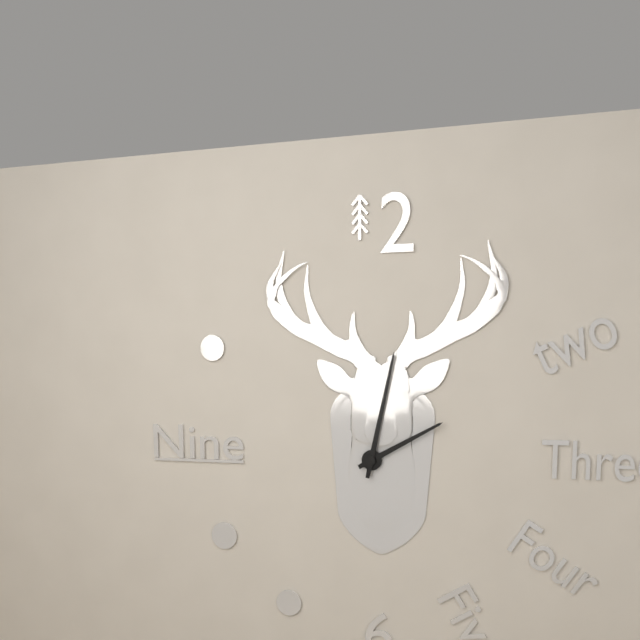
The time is 2h02
